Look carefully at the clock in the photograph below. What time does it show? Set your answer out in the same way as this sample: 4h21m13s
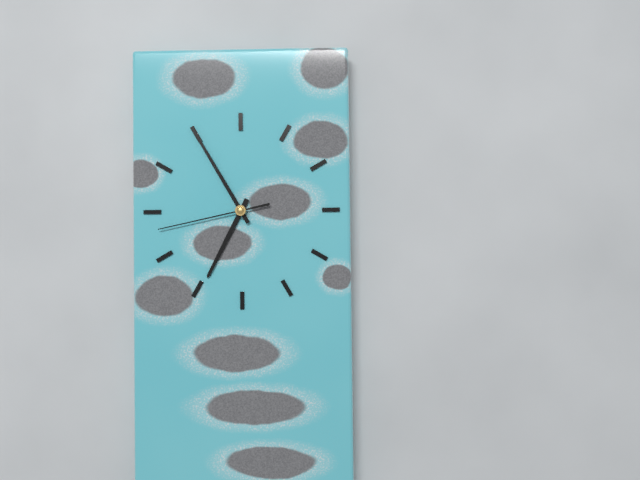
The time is 6h55m43s
